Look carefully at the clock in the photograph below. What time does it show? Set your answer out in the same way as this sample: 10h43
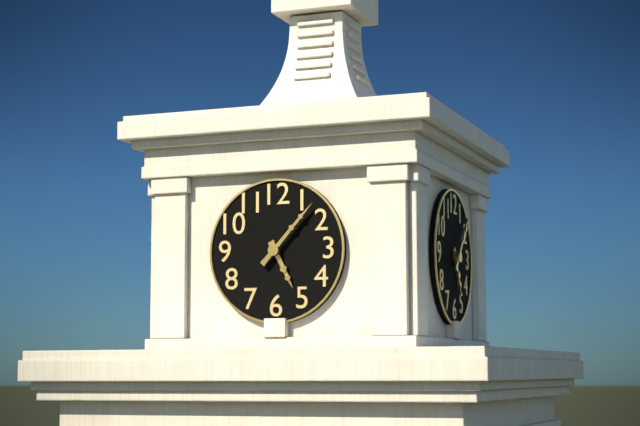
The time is 5h07
